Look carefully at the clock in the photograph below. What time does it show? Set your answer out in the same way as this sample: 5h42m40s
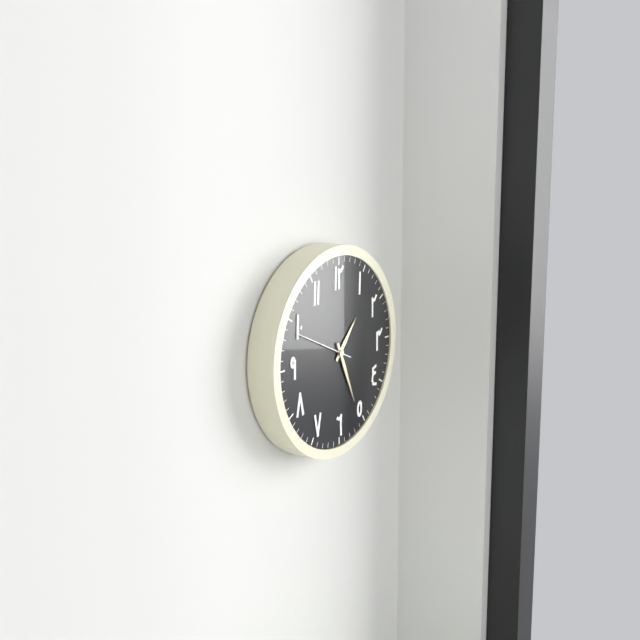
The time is 1h26m49s
